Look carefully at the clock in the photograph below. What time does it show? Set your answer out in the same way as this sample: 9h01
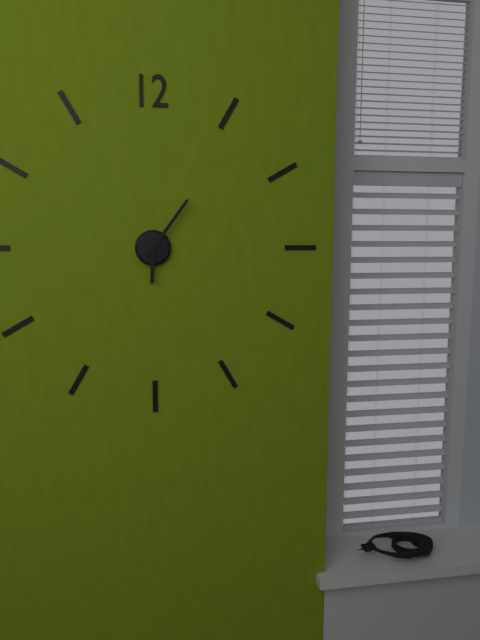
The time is 6h06
